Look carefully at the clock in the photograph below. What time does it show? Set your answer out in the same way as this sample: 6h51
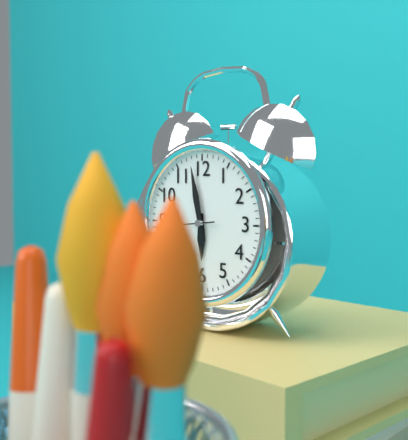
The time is 5h58
